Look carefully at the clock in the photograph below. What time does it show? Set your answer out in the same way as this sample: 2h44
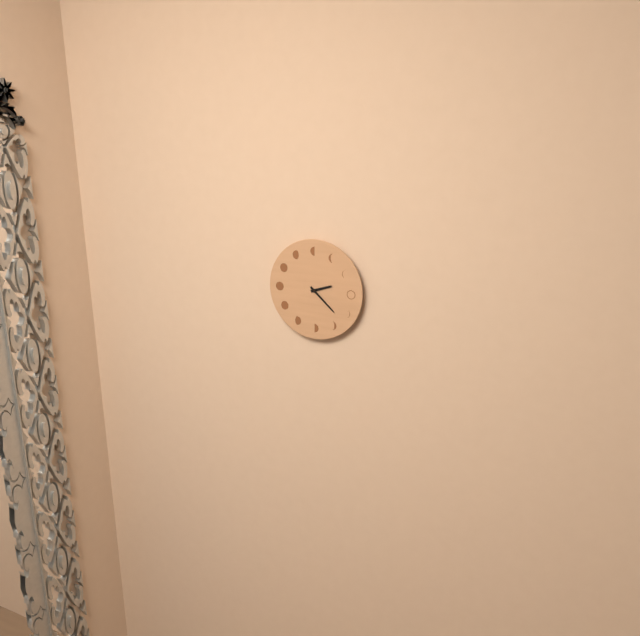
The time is 2h22
